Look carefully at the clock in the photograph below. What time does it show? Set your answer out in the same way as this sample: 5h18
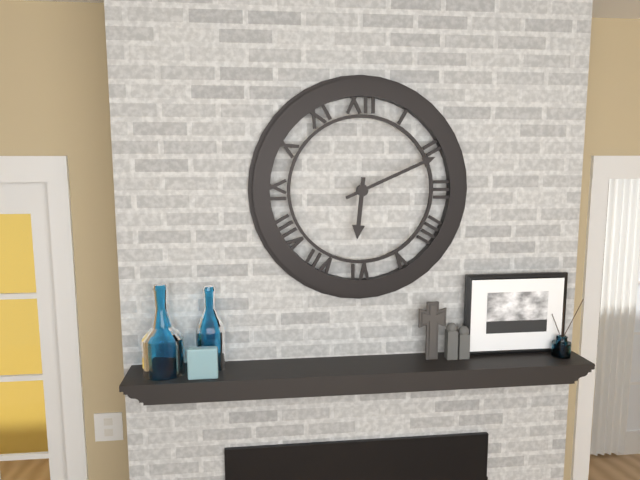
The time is 6h11
